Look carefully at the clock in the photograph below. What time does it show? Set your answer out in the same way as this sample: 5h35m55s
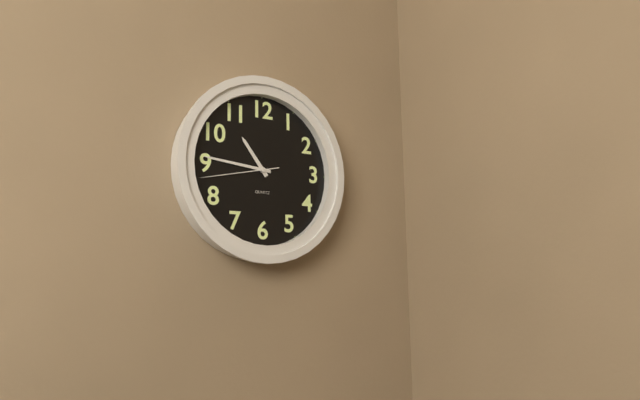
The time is 10h46m43s
